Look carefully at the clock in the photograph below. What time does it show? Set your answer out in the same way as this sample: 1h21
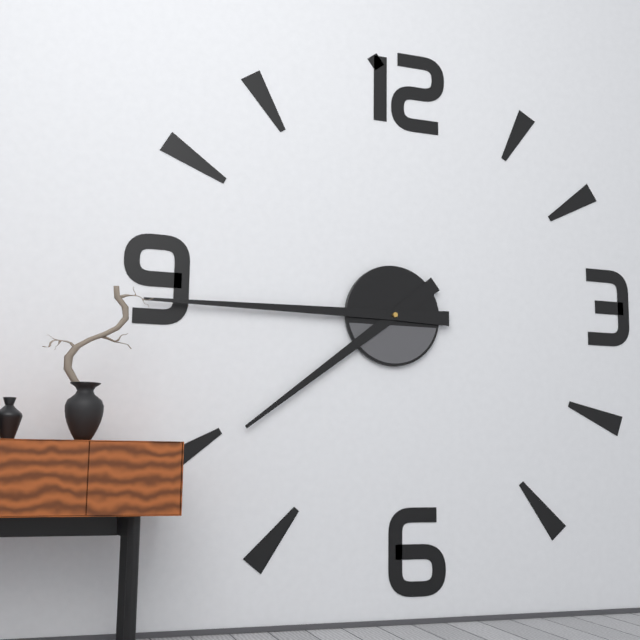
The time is 7h45
